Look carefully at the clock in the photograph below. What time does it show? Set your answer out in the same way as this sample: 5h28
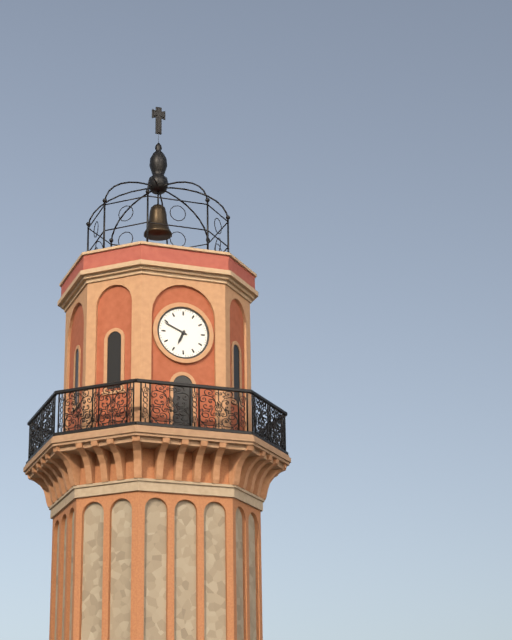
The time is 6h49
